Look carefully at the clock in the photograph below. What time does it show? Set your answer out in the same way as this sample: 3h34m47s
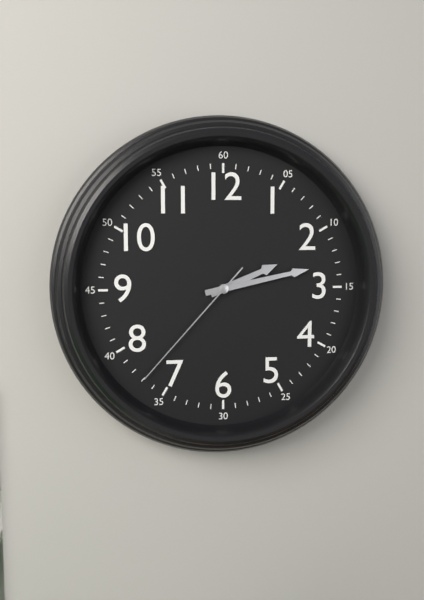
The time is 2h13m37s
